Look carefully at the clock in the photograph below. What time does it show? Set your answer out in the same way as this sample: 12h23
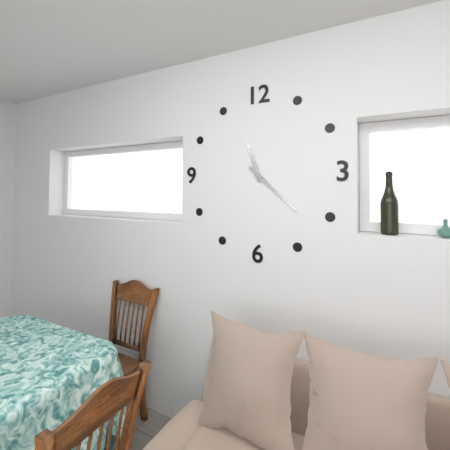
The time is 11h22
